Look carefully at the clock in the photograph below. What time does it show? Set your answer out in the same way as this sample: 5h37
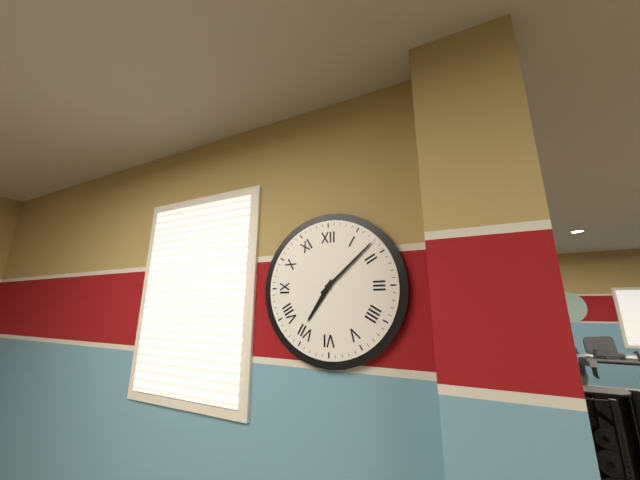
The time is 7h08
